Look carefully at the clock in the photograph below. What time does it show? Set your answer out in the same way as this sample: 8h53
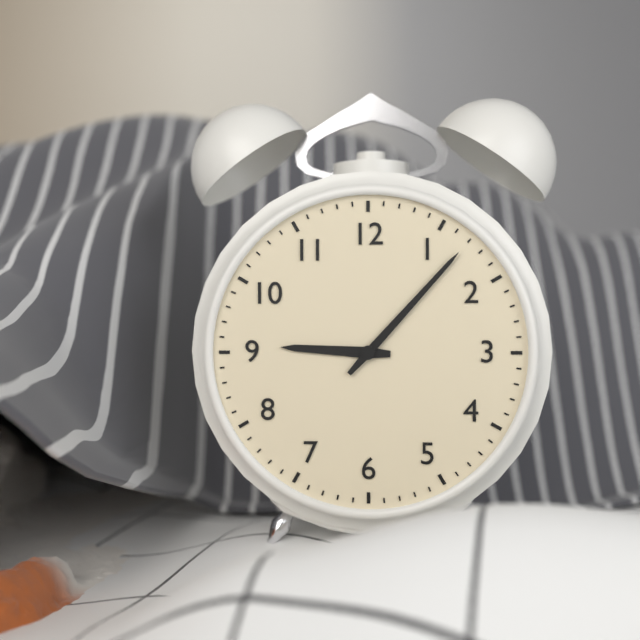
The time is 9h07
